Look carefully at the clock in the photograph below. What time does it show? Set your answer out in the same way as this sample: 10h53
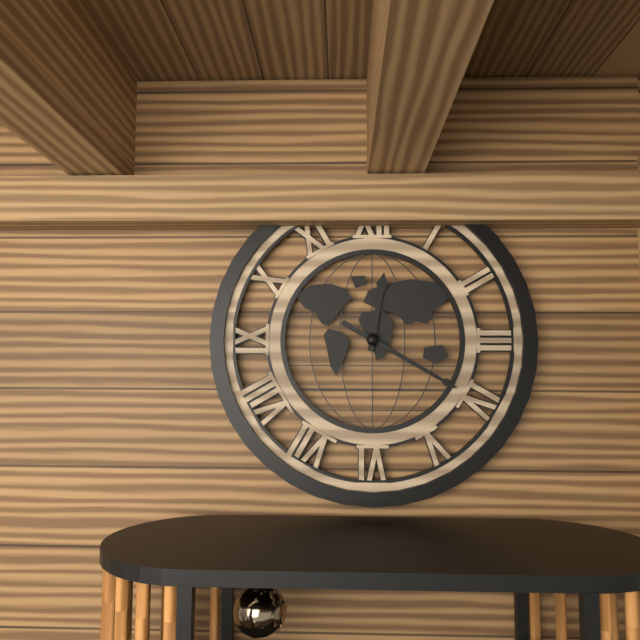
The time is 12h20
